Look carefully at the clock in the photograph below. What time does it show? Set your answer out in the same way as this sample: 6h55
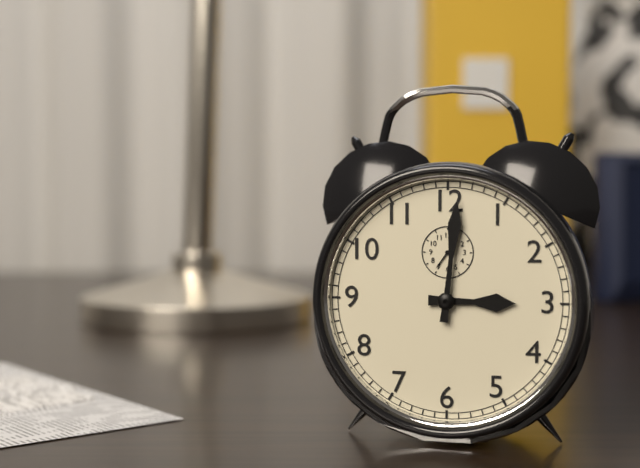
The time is 3h01
